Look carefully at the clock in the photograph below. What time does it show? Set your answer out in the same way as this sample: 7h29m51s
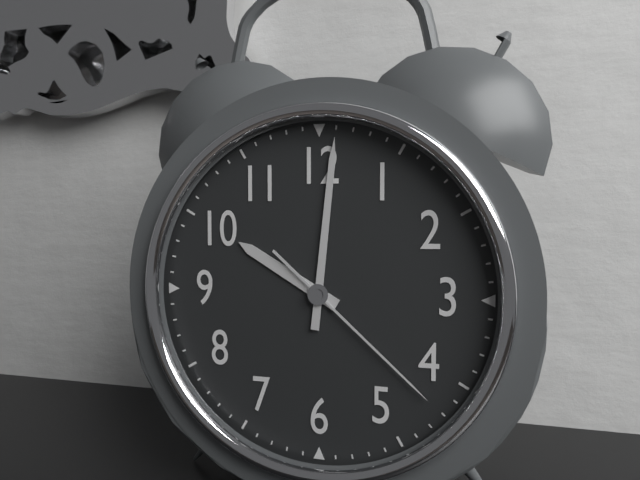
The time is 10h01m22s
